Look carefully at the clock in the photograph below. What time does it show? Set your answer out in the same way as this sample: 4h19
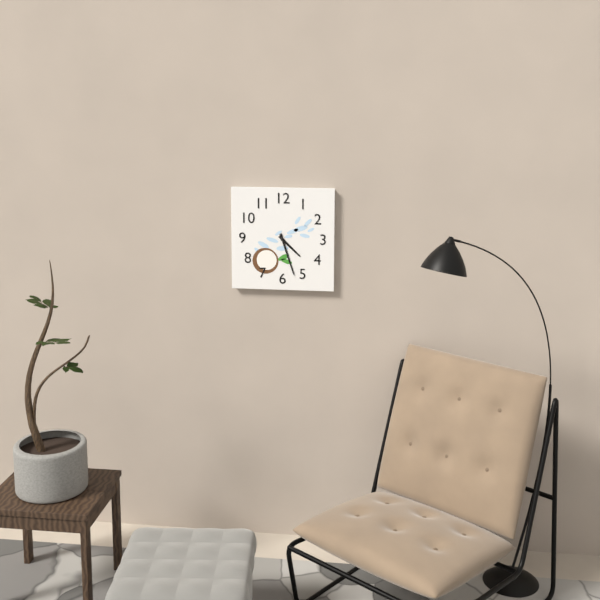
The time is 4h27
